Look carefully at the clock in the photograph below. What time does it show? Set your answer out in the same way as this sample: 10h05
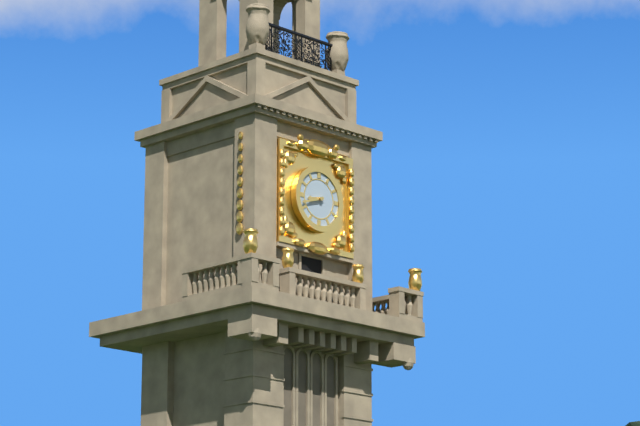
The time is 8h42
